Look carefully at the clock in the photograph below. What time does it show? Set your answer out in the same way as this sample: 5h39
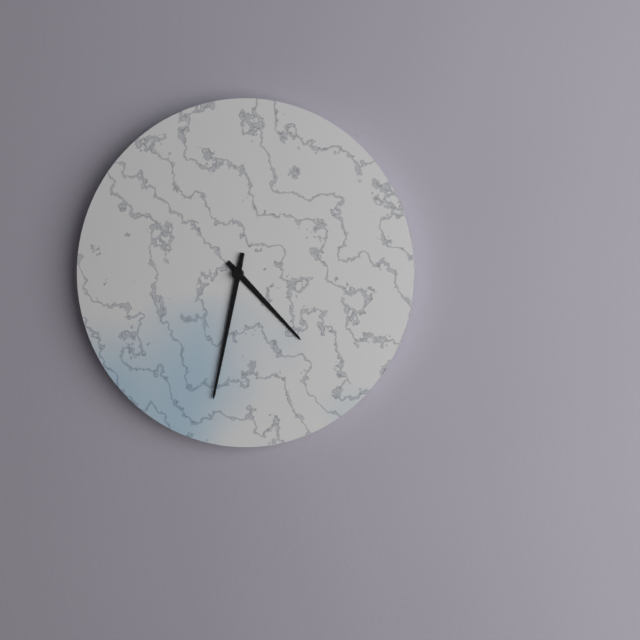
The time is 4h32
